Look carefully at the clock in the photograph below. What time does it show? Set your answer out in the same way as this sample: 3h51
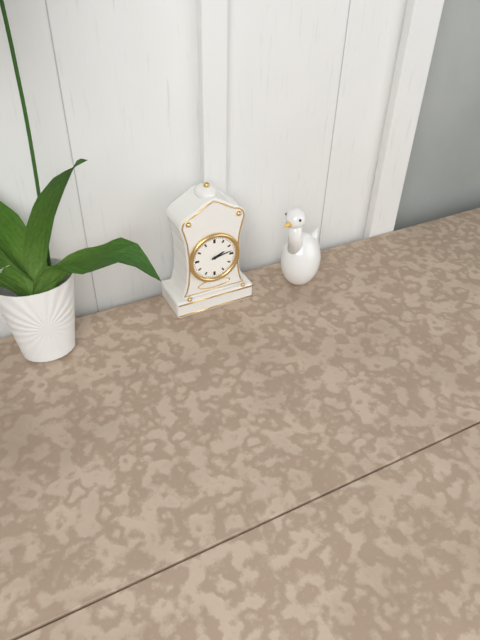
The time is 2h13
